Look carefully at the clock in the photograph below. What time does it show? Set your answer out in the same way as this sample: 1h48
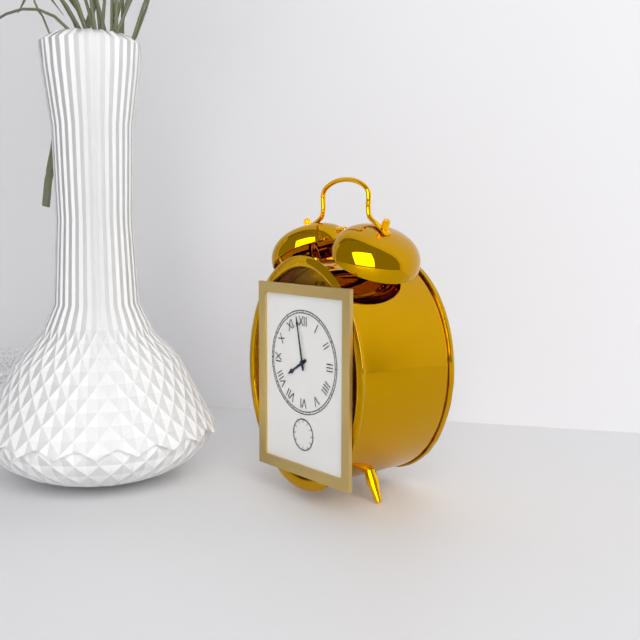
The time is 7h58
